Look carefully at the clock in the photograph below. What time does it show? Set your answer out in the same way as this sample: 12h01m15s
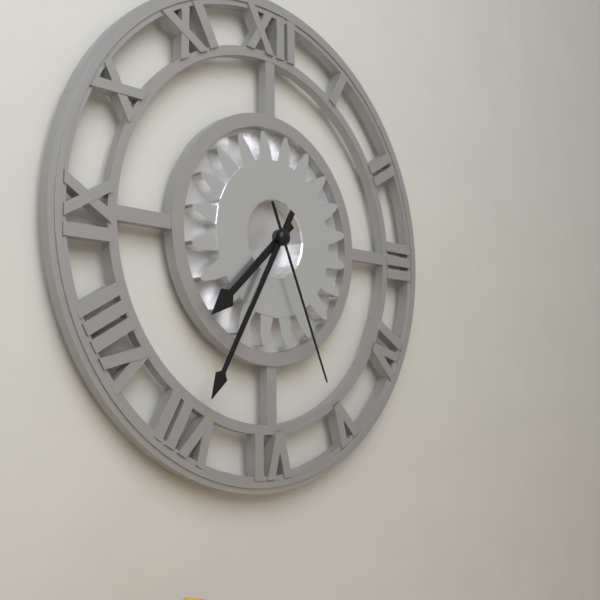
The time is 7h35m26s
